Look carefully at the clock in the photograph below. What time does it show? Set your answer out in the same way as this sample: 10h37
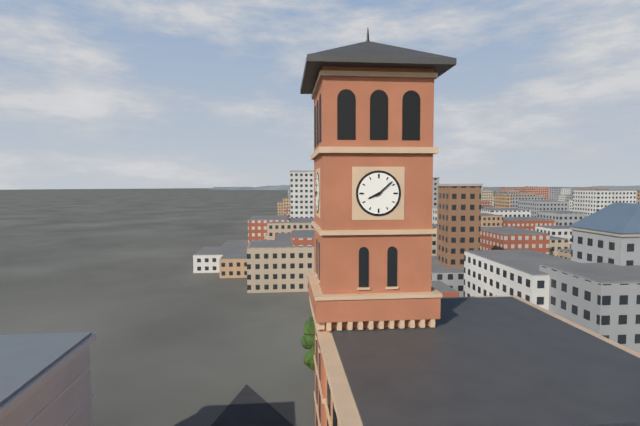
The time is 8h08
